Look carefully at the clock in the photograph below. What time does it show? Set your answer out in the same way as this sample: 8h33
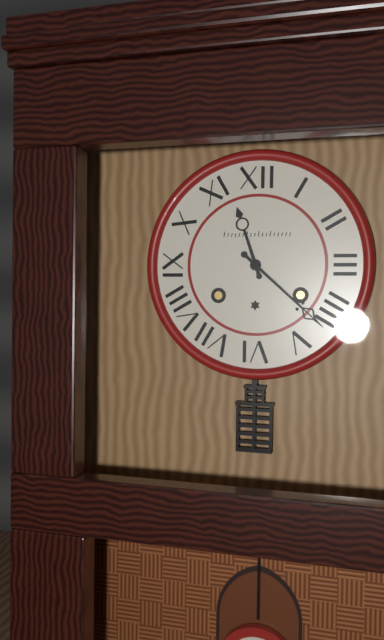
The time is 11h22
